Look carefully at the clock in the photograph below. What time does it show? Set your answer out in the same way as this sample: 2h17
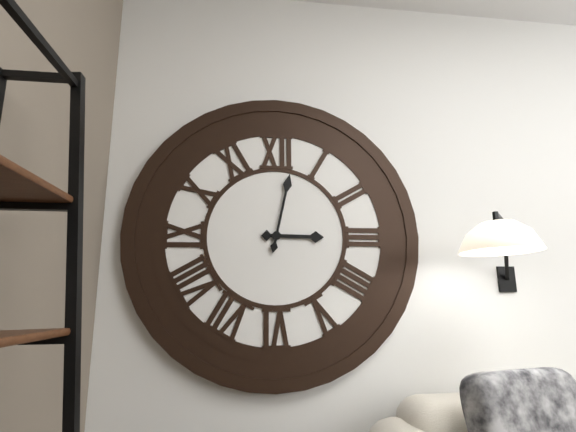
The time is 3h02
